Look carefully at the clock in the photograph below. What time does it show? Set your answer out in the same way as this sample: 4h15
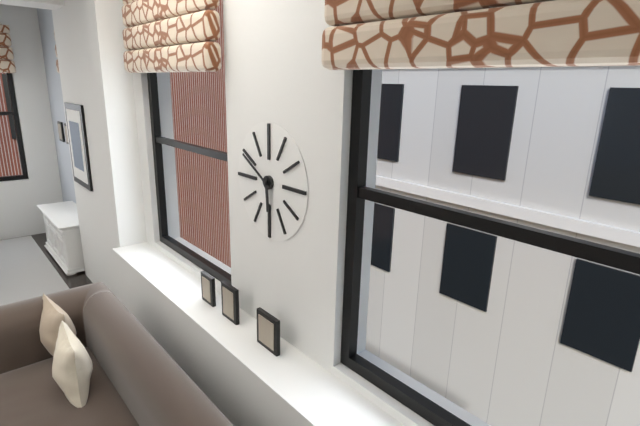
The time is 5h50
